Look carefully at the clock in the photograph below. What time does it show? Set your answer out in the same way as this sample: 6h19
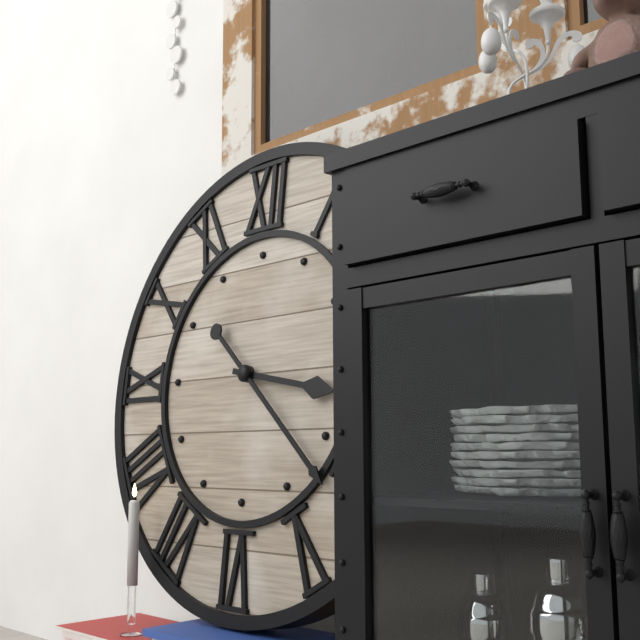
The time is 3h22
